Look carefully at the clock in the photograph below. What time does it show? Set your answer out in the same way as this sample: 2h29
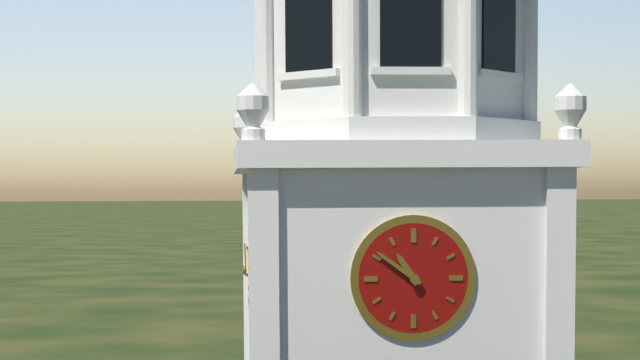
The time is 10h51
